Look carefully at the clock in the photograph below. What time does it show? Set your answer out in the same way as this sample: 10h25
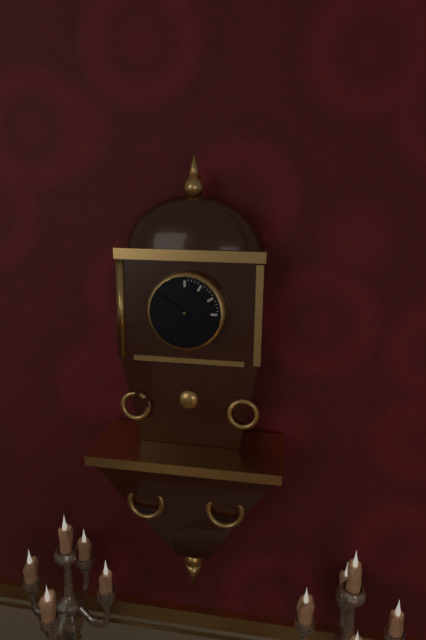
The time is 9h51
